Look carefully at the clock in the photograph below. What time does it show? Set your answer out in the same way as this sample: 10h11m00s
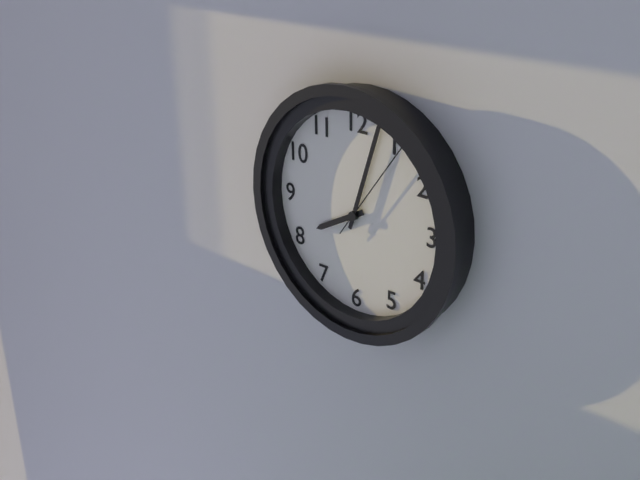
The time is 8h03m06s
